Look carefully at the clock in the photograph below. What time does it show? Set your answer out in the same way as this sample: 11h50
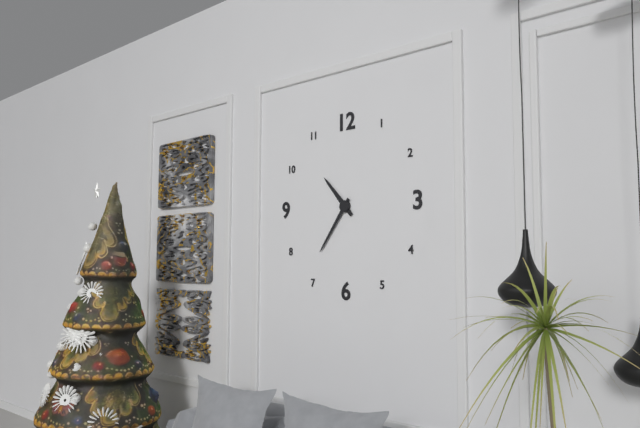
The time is 10h36
